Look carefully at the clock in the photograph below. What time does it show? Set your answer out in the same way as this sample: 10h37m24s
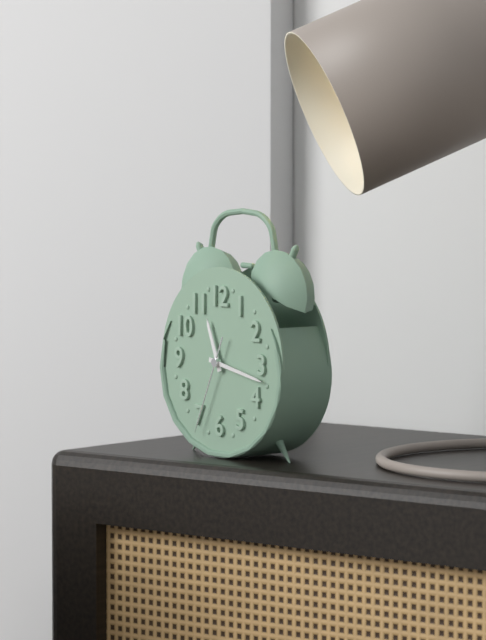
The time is 11h17m34s
